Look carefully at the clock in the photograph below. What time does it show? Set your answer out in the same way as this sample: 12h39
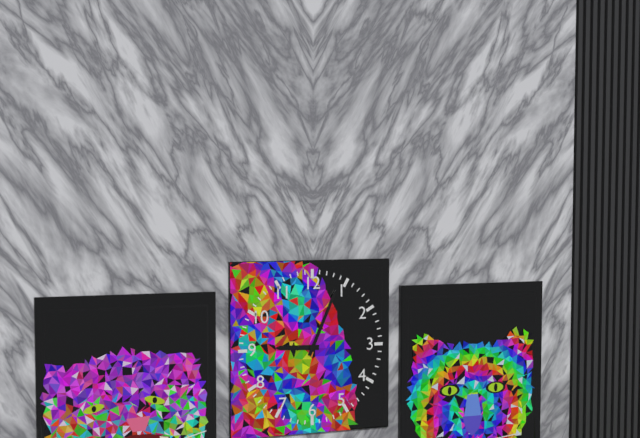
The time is 9h04
